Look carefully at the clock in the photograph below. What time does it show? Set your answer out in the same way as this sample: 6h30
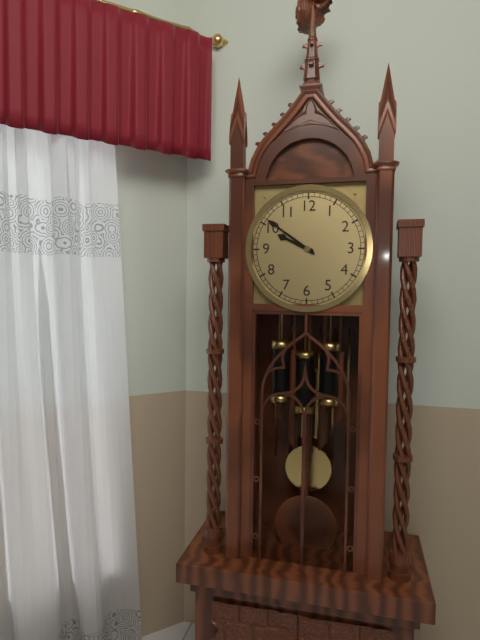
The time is 9h51
